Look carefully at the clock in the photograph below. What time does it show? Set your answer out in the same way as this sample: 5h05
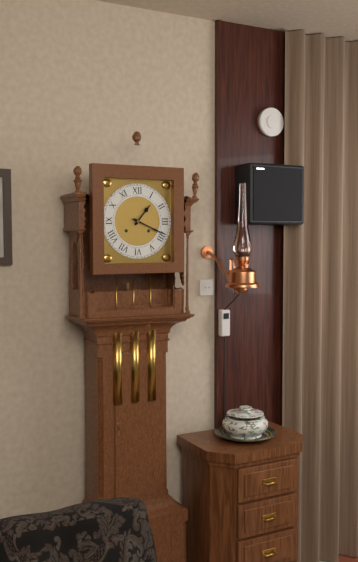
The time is 1h19
